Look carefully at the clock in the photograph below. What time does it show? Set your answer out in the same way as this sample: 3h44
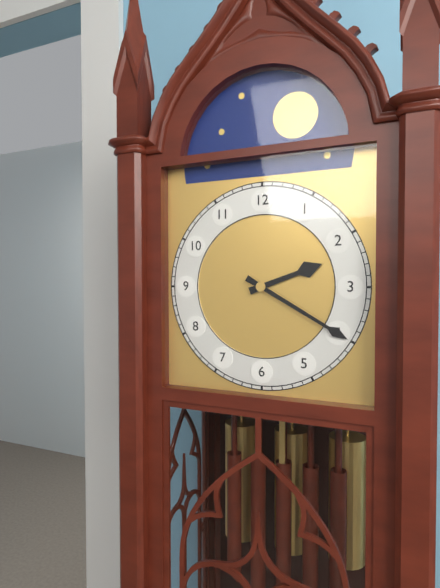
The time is 2h20
